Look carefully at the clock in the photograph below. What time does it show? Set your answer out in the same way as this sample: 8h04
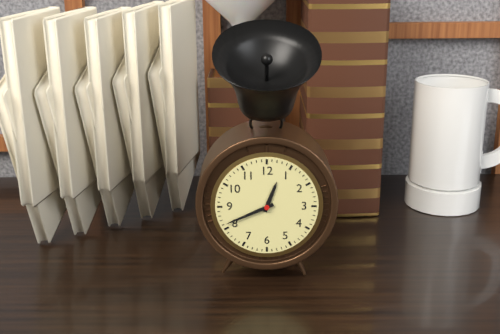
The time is 12h41
